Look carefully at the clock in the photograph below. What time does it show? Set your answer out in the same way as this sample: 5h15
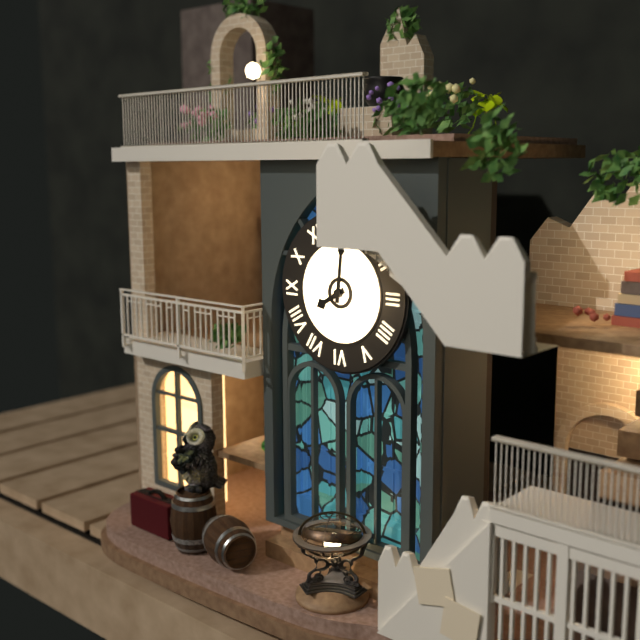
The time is 8h01
